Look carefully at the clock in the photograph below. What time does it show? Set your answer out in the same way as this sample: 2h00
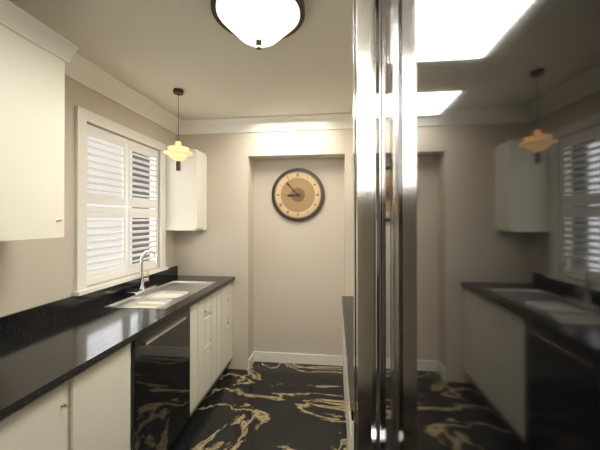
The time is 8h53
